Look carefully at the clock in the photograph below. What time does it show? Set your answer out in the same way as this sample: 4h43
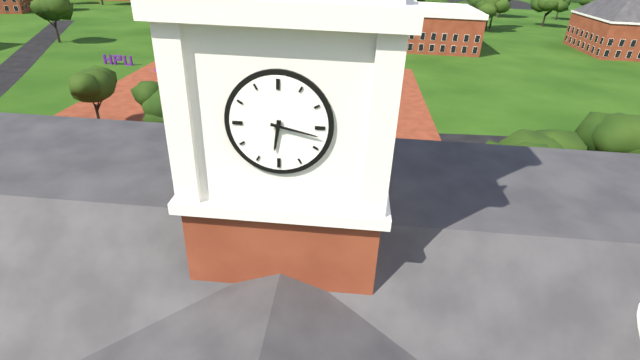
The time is 6h17
